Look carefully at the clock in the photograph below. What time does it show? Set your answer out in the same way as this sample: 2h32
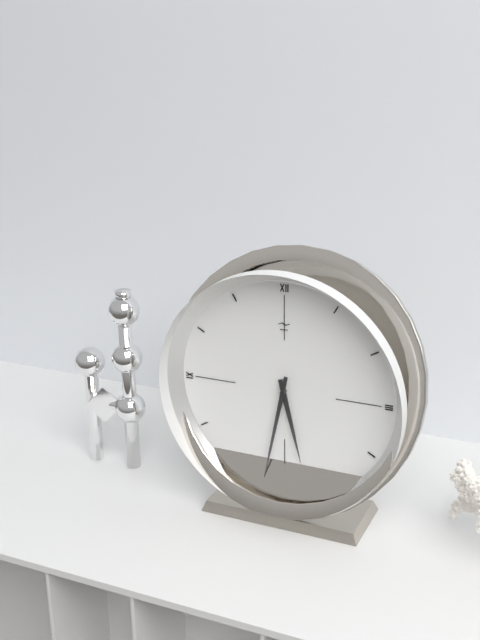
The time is 5h32
